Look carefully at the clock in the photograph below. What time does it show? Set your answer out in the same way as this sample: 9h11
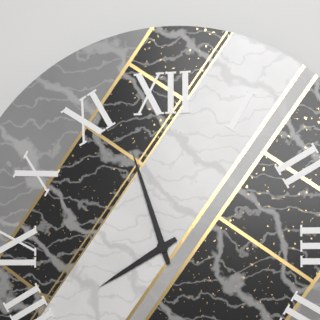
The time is 7h57
